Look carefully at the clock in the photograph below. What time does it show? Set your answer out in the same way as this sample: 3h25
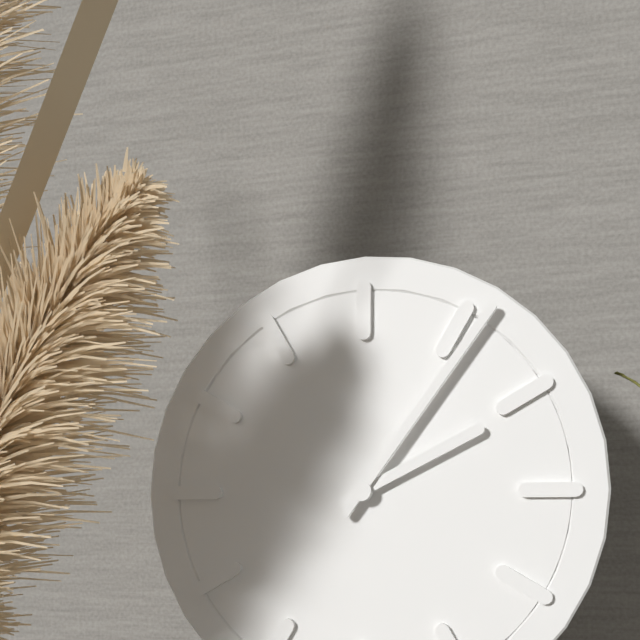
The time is 2h06
